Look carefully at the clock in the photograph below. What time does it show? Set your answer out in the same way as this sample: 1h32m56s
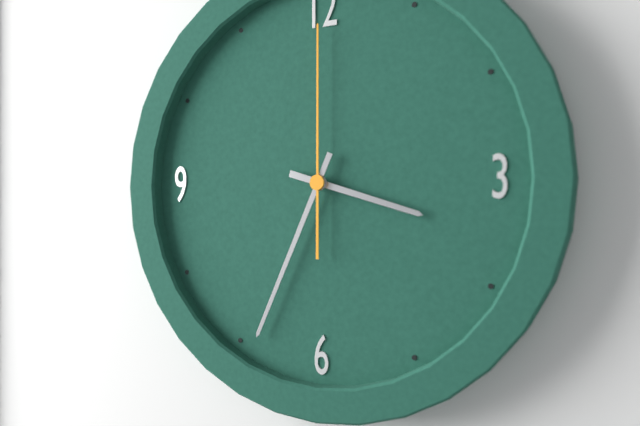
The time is 3h34m00s
